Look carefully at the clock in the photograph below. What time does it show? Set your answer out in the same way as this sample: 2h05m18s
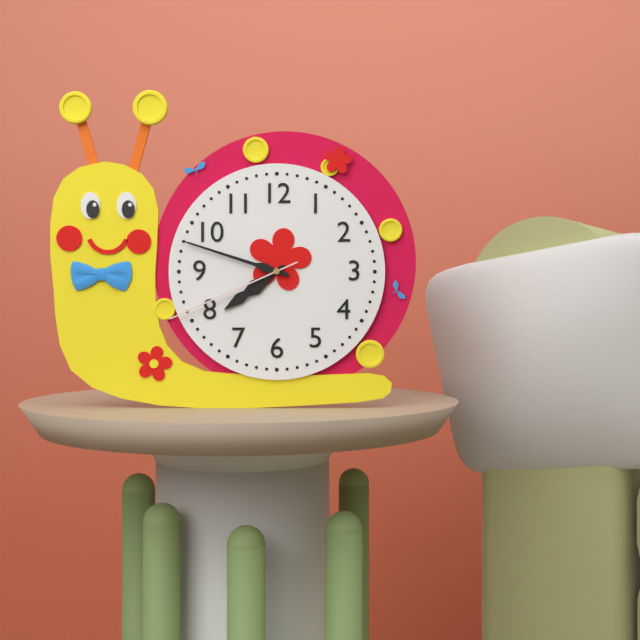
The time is 7h48m41s
